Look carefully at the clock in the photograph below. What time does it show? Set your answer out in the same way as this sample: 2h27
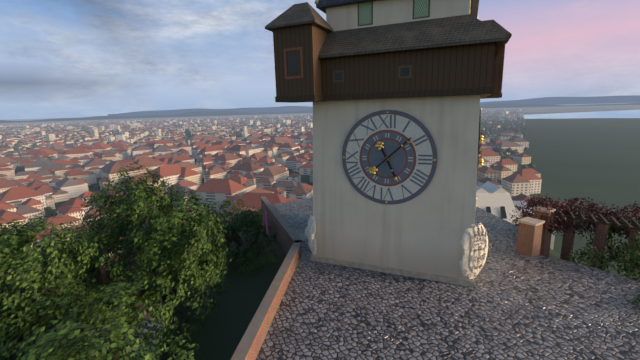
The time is 5h08
